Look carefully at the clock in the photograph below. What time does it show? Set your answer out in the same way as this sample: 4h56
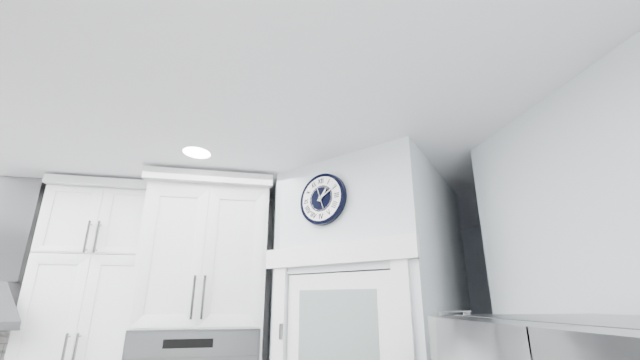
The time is 1h10
